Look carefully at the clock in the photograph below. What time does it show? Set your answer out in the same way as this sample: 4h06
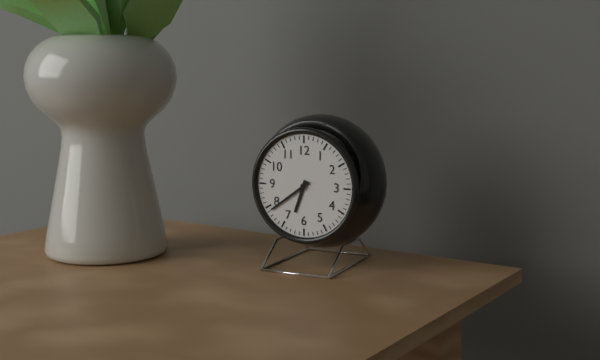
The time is 6h39
